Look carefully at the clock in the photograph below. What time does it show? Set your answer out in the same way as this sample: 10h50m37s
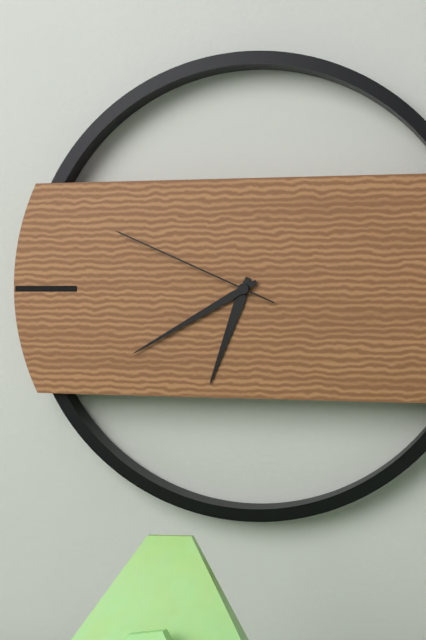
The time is 6h40m49s
